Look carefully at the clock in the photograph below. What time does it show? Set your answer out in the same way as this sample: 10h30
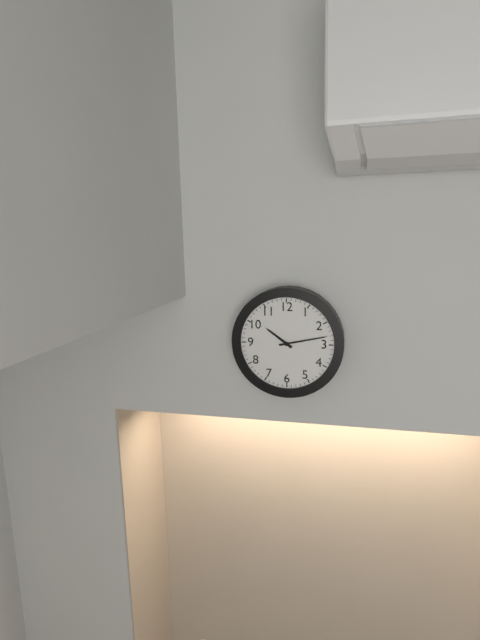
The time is 10h13
